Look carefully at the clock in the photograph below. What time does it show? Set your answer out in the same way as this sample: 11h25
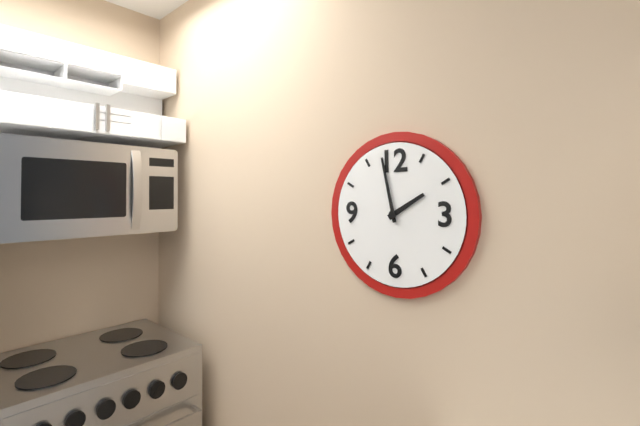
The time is 1h58
